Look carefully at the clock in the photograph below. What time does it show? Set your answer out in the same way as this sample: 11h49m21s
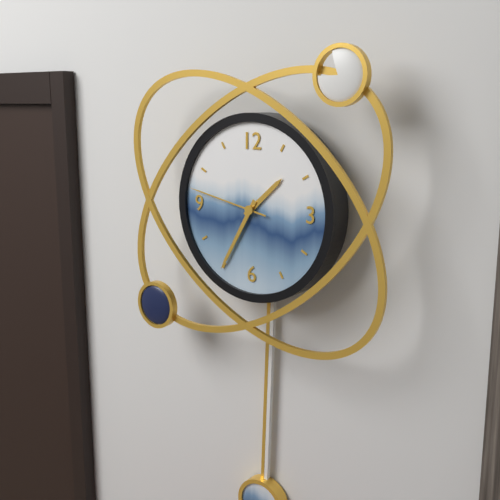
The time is 1h35m47s
